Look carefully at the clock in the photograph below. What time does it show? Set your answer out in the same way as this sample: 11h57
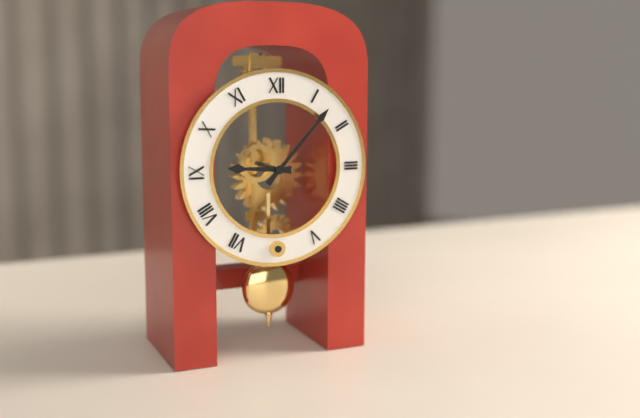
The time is 9h07
